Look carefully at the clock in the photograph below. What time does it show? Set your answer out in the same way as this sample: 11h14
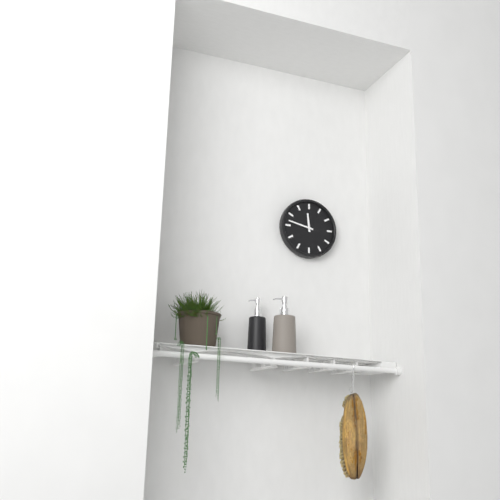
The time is 11h47
